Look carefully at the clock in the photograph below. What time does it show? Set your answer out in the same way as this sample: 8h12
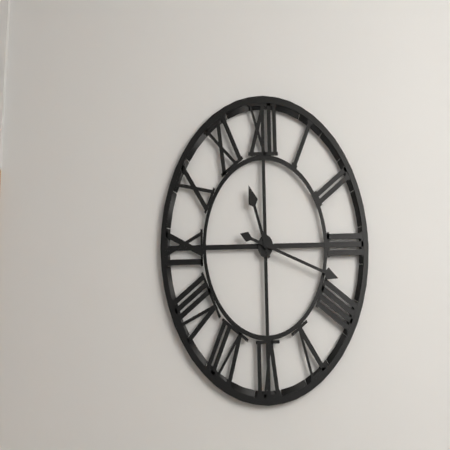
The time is 11h18
